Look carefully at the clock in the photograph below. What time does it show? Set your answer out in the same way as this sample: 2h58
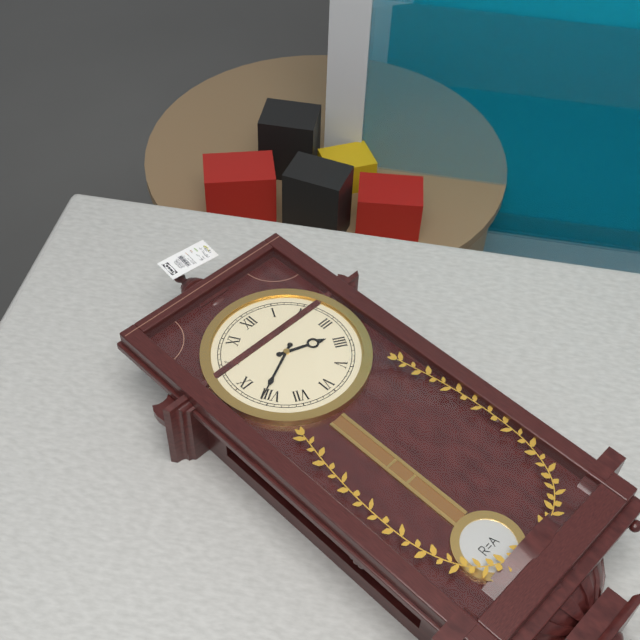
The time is 3h41
